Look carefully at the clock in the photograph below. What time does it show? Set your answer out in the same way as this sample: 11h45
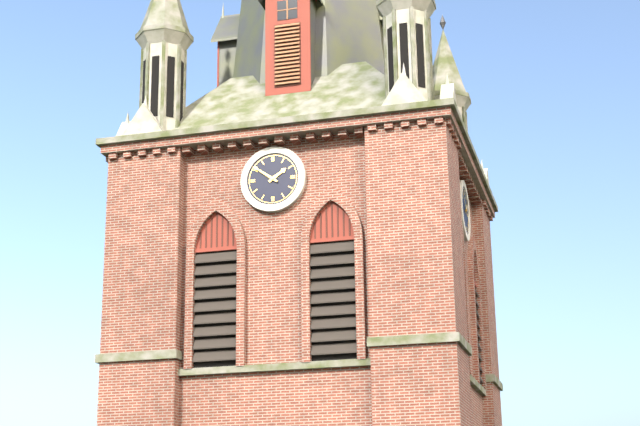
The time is 1h51
